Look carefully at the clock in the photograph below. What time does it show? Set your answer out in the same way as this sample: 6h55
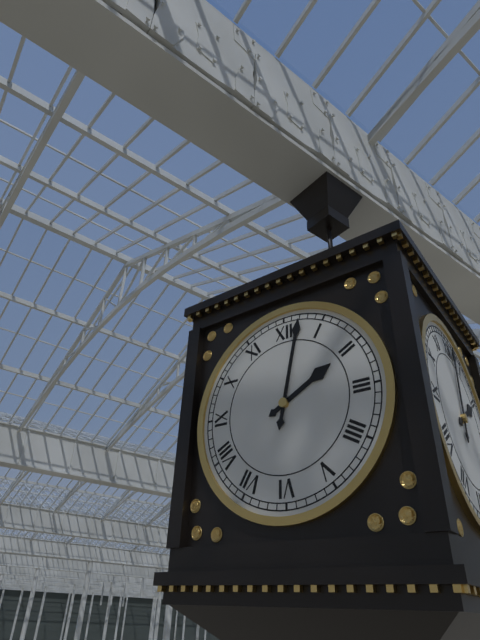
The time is 2h02
